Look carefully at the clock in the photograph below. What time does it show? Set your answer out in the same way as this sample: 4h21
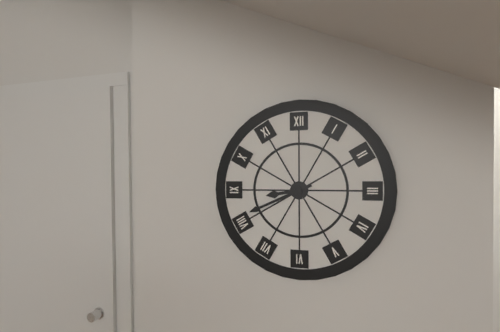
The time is 8h41
